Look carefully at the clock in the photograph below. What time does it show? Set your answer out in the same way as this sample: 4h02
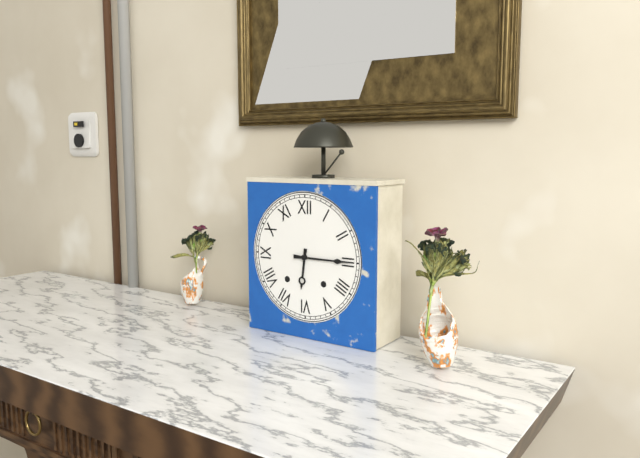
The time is 6h15
